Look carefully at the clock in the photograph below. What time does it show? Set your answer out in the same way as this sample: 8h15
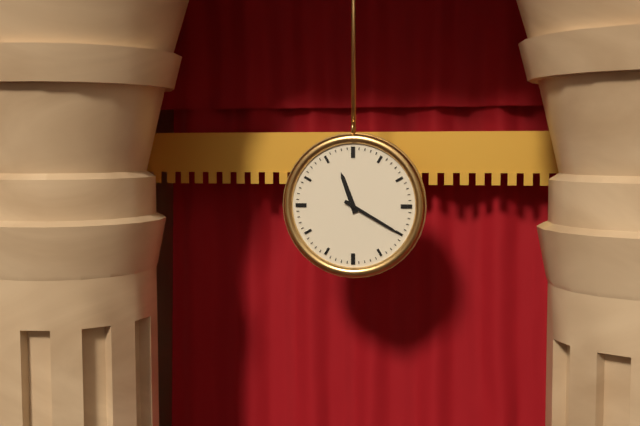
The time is 11h20
